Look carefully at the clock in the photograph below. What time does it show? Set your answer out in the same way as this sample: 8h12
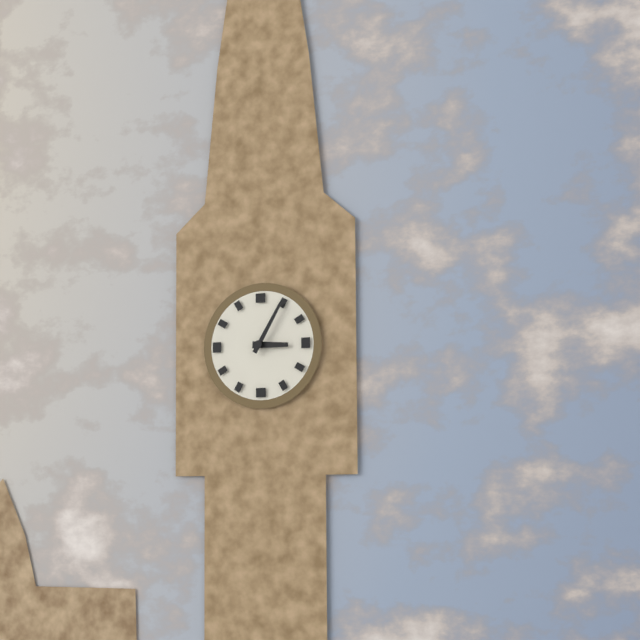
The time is 3h05
